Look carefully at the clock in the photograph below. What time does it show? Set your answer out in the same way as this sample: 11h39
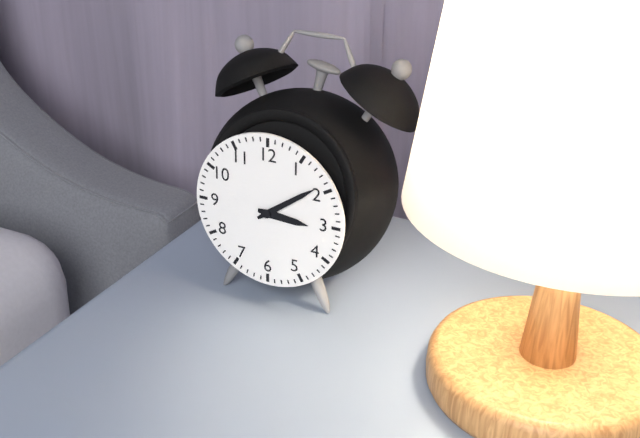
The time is 3h09
